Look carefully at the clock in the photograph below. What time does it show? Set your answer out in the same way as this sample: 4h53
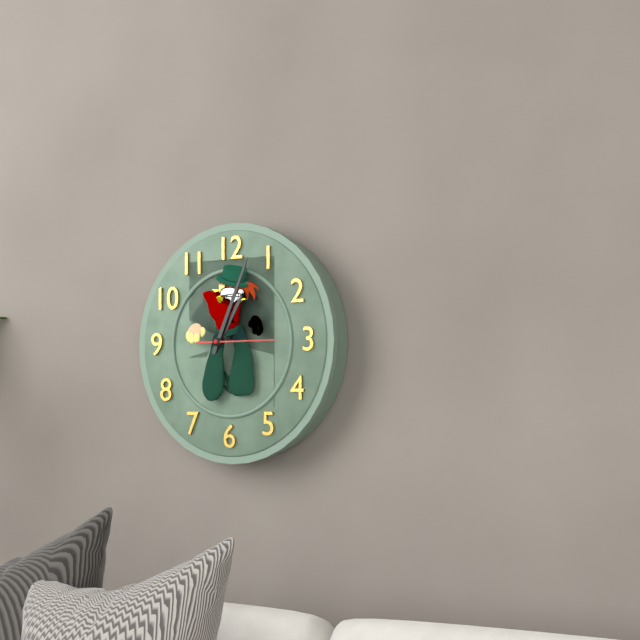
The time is 1h04
